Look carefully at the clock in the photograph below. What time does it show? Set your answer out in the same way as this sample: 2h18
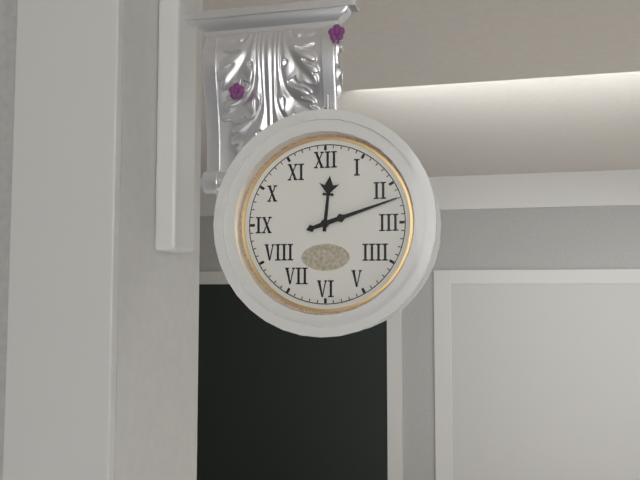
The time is 12h12
